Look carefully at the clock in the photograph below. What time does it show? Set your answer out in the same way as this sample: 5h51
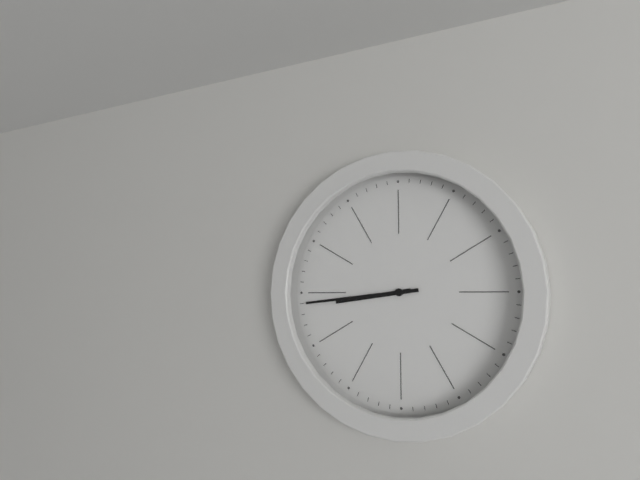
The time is 8h44
